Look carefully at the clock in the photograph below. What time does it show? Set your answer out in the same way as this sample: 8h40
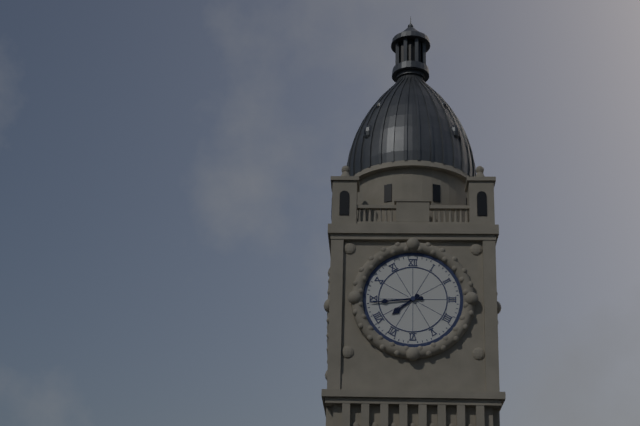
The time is 7h44
